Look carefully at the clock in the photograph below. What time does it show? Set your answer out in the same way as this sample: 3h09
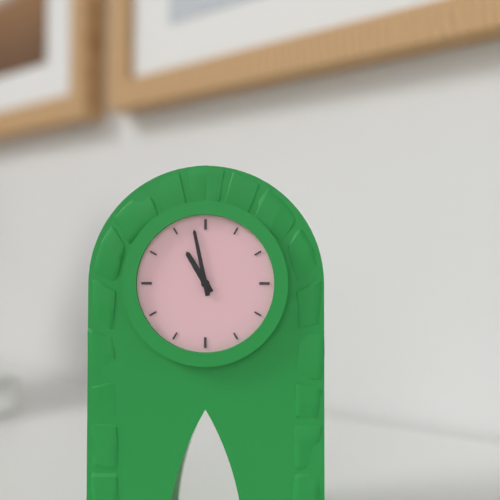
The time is 10h58
